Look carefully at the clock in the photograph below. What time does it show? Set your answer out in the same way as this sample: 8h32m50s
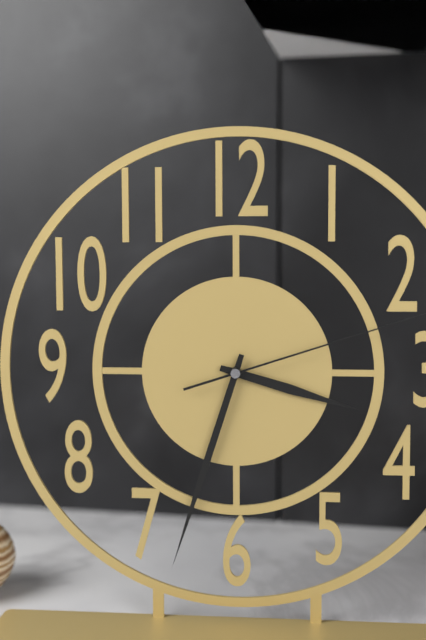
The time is 3h33m12s
